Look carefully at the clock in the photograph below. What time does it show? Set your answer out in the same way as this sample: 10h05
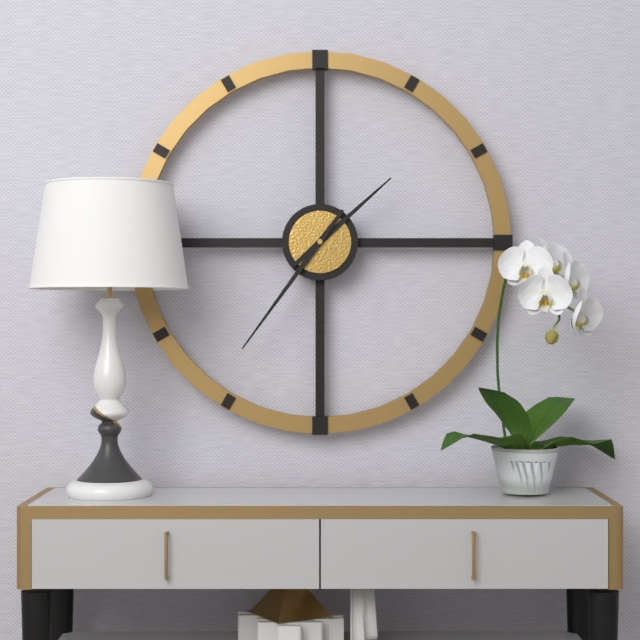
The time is 1h36
